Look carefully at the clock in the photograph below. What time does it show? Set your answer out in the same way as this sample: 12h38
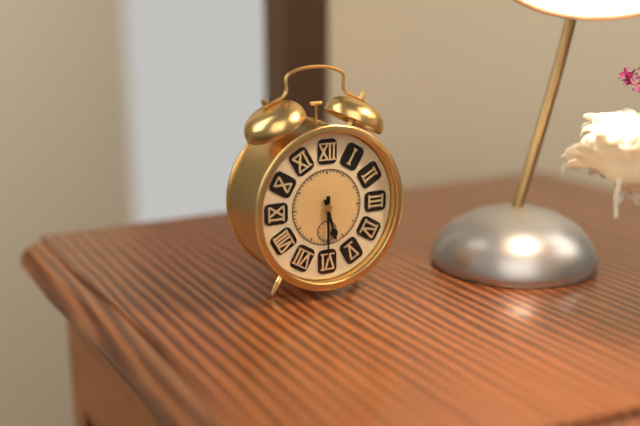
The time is 5h30
